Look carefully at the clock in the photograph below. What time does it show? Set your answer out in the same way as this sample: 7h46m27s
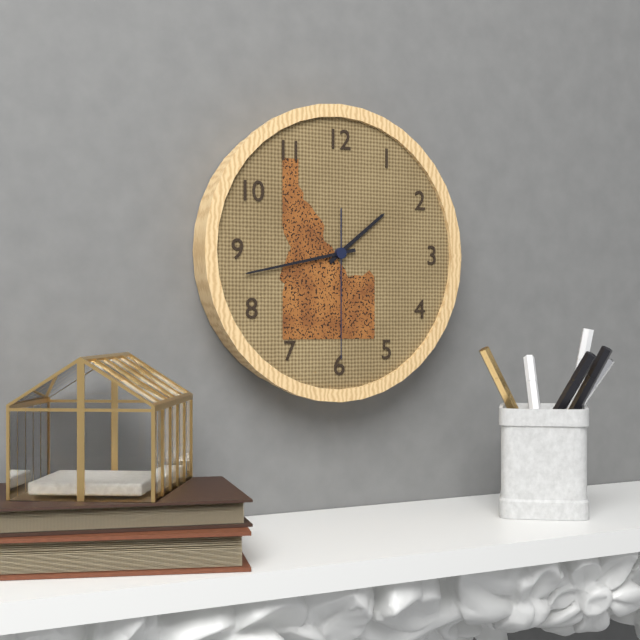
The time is 1h43m30s
